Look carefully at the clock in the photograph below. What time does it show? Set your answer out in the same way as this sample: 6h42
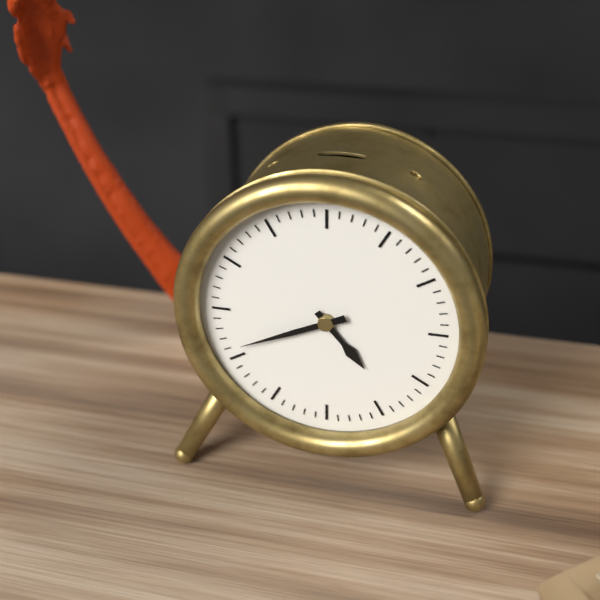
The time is 4h41
